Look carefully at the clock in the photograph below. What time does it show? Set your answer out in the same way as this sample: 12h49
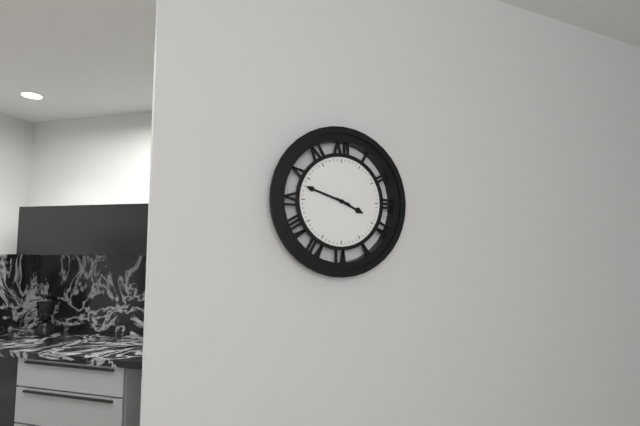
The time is 3h48
